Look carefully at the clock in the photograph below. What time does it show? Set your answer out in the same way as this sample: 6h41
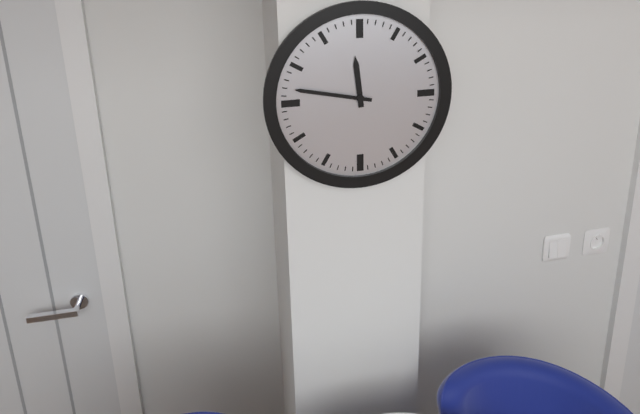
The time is 11h47
